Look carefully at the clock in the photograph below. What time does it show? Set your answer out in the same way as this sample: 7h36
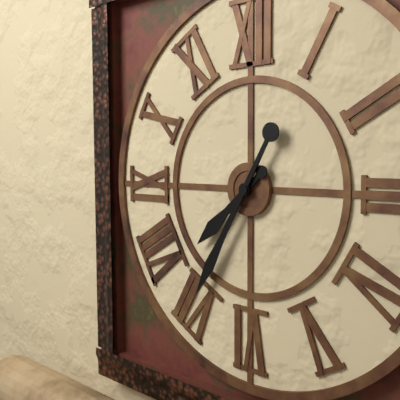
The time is 7h35
